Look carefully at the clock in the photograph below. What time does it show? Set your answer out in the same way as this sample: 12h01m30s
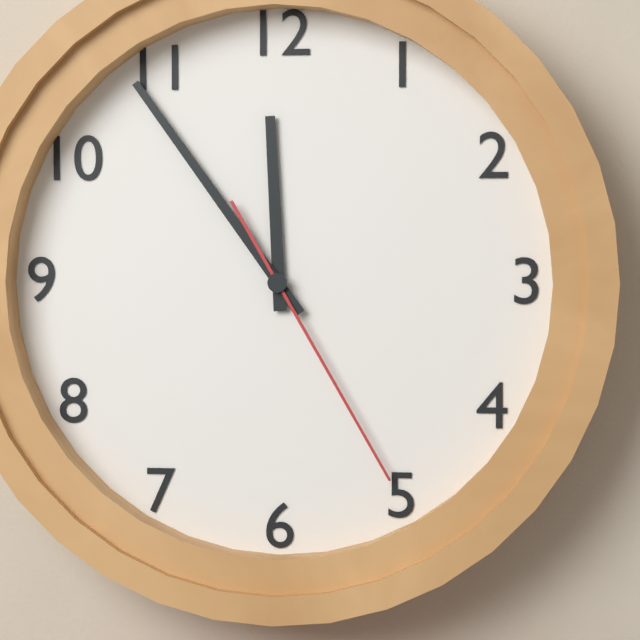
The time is 11h54m25s
